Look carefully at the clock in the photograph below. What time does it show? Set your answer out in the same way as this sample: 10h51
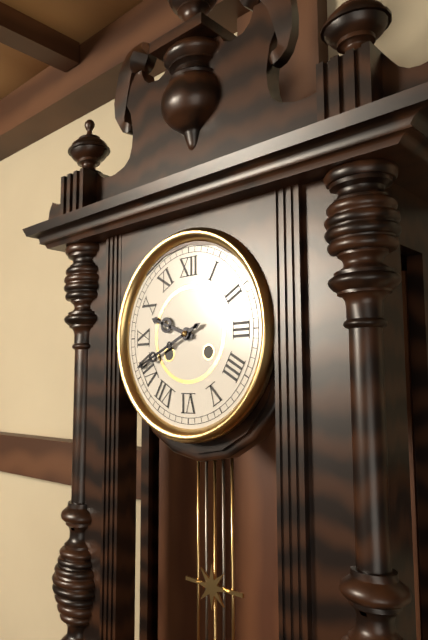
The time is 9h41
